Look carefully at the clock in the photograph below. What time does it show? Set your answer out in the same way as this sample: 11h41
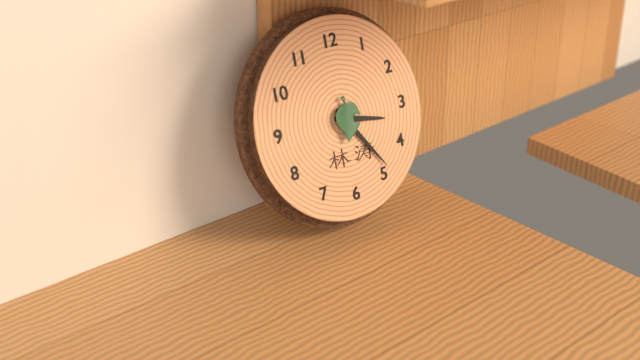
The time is 3h24
